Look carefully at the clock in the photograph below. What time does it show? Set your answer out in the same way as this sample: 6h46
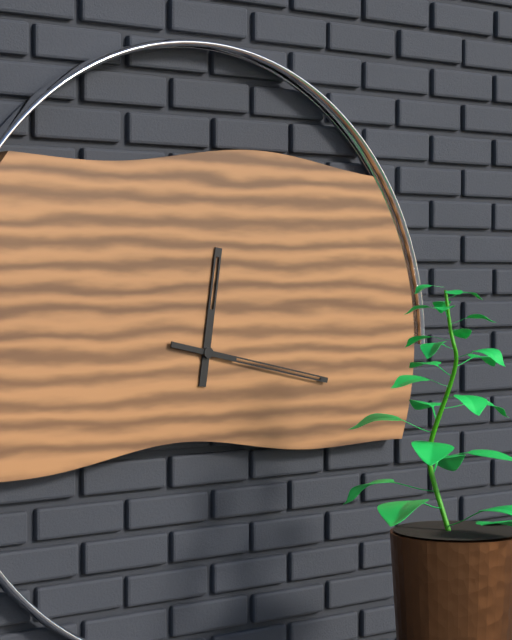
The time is 12h17
